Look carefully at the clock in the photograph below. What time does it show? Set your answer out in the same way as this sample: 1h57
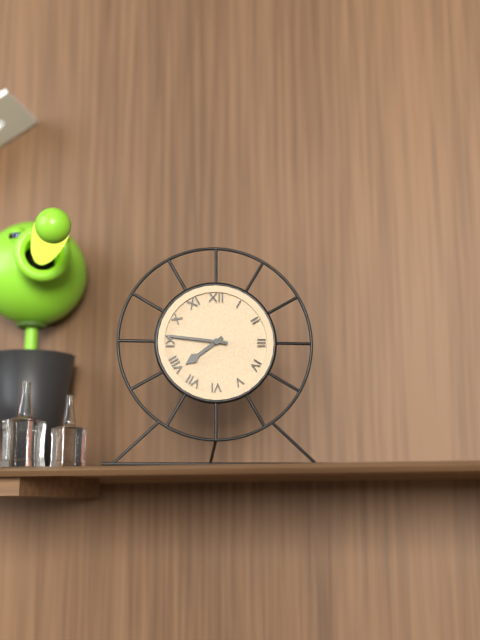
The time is 7h46
